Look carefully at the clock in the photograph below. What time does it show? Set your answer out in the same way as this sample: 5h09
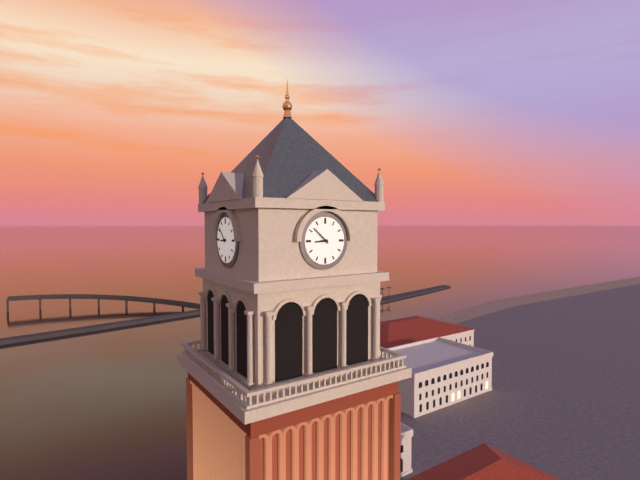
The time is 8h52
